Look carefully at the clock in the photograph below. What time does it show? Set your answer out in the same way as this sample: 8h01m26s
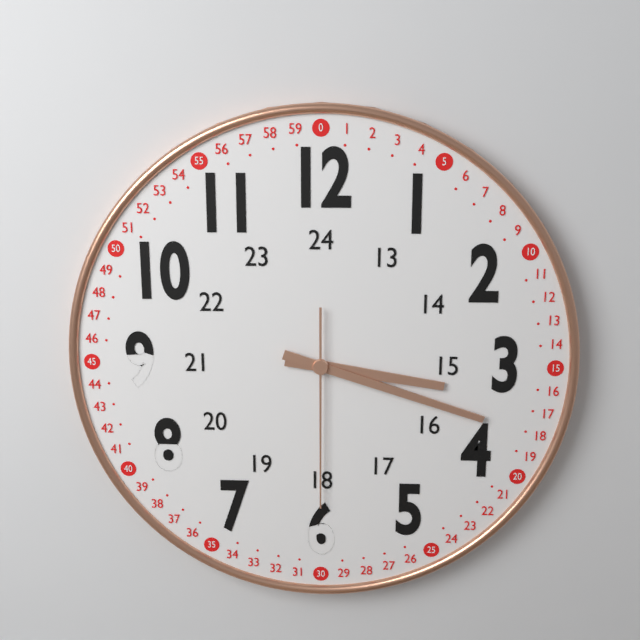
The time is 3h18m30s
